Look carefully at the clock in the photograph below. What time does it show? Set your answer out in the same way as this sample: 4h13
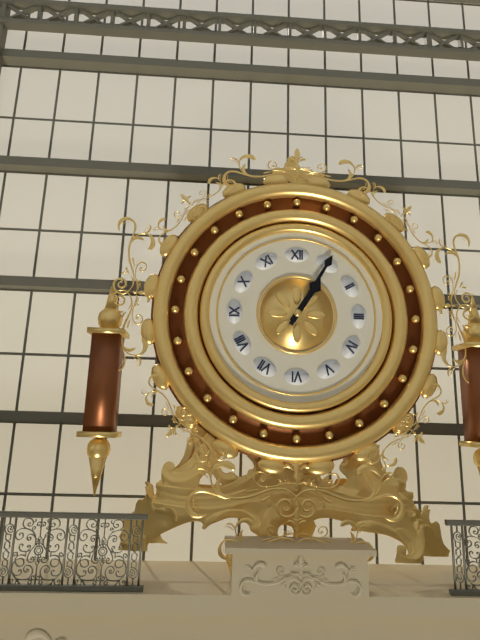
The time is 1h05
